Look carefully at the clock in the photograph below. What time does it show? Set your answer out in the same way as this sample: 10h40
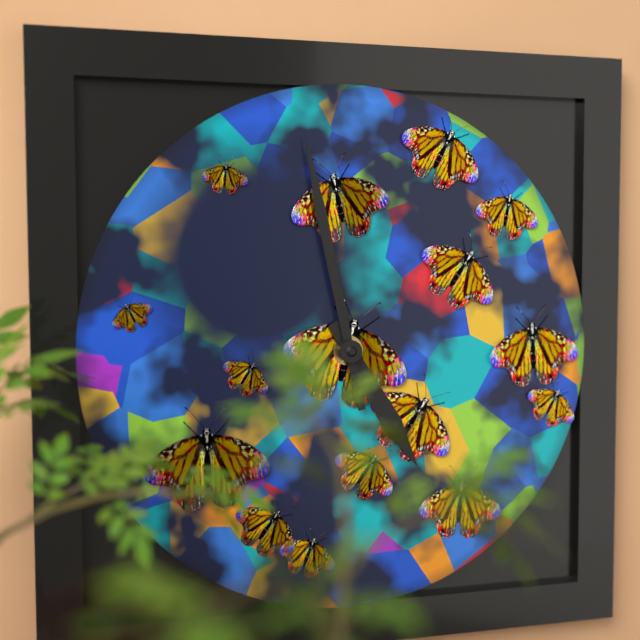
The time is 4h58
